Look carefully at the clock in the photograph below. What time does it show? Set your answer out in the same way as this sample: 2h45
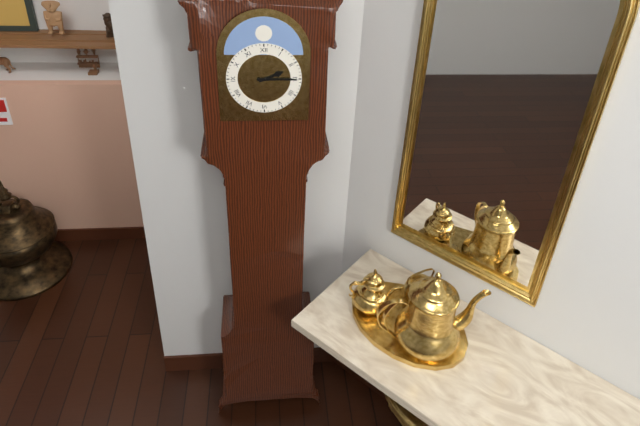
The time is 2h15
